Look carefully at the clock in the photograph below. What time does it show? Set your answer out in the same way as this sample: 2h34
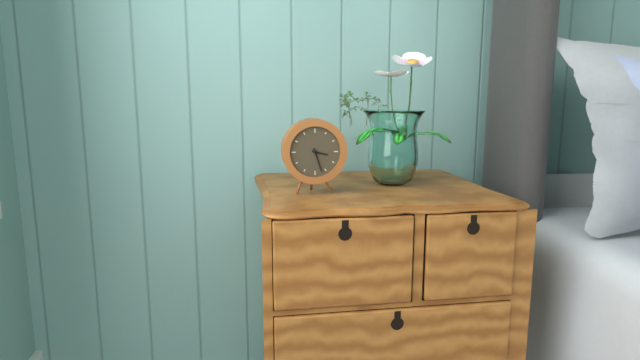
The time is 3h27
